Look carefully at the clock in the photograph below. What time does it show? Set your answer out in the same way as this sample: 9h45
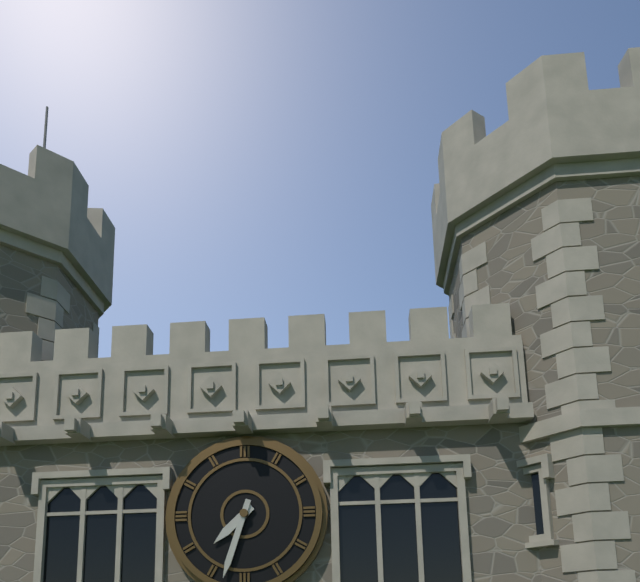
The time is 7h33
